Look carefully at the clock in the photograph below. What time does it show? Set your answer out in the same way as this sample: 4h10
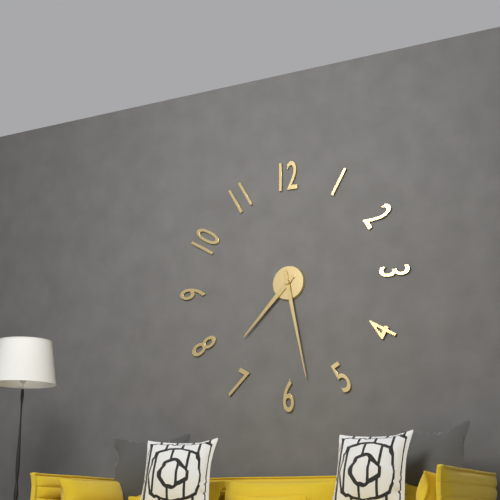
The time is 7h28
